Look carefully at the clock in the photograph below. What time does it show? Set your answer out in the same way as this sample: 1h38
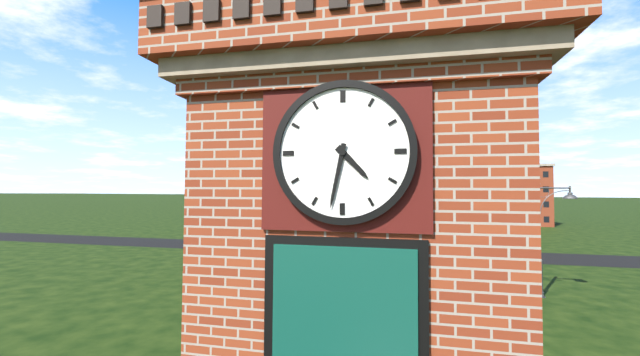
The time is 4h32
